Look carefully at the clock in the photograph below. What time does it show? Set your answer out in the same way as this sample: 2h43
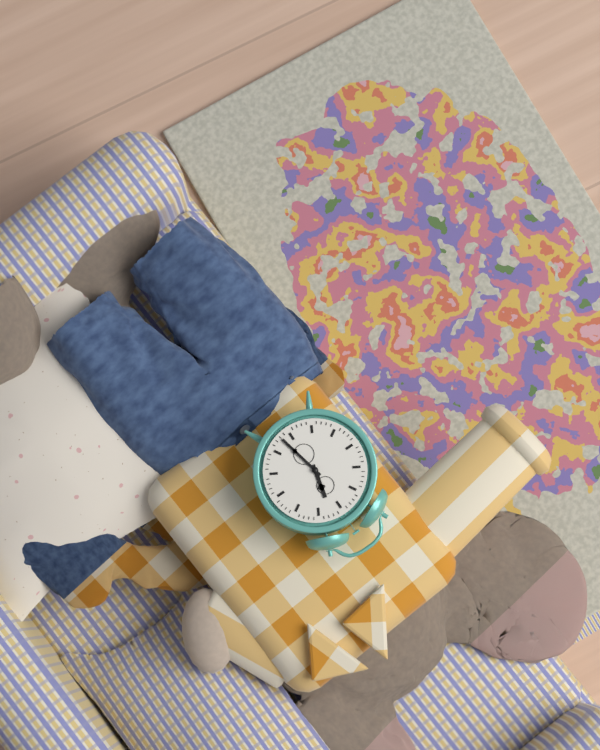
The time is 12h28
